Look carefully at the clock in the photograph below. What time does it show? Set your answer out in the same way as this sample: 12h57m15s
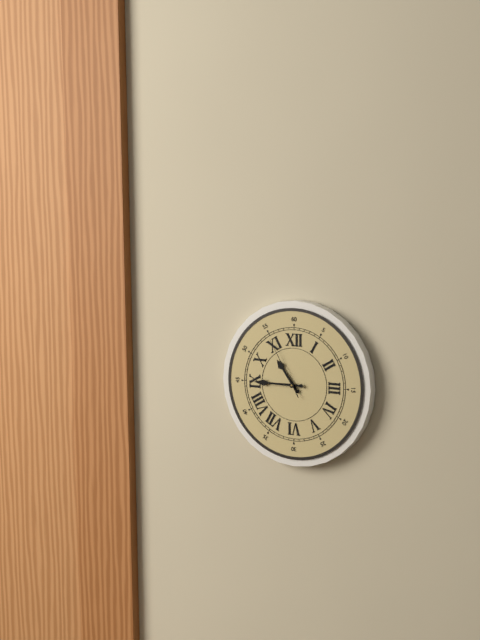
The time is 10h45m55s
